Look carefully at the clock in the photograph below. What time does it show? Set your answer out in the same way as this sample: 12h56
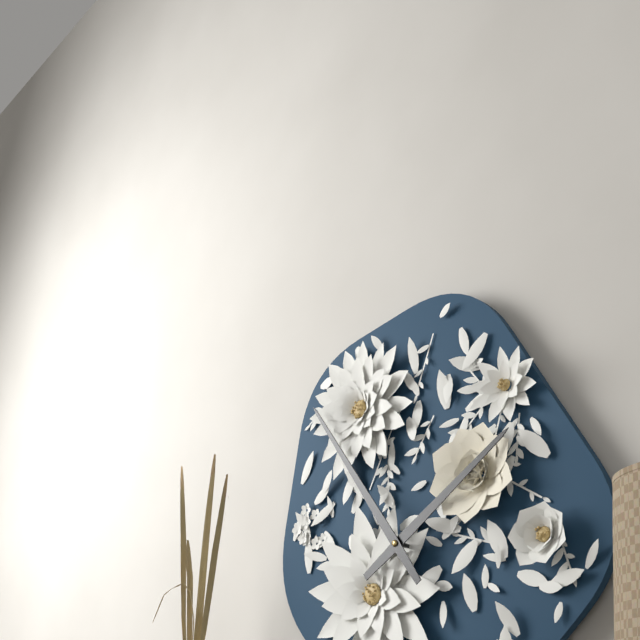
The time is 1h54
